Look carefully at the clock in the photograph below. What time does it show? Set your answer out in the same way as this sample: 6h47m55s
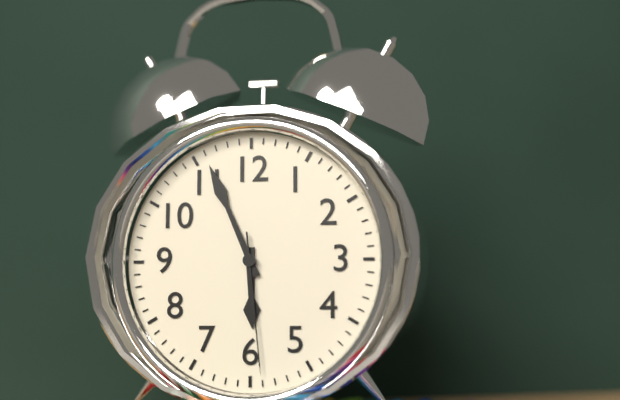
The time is 5h56m29s
